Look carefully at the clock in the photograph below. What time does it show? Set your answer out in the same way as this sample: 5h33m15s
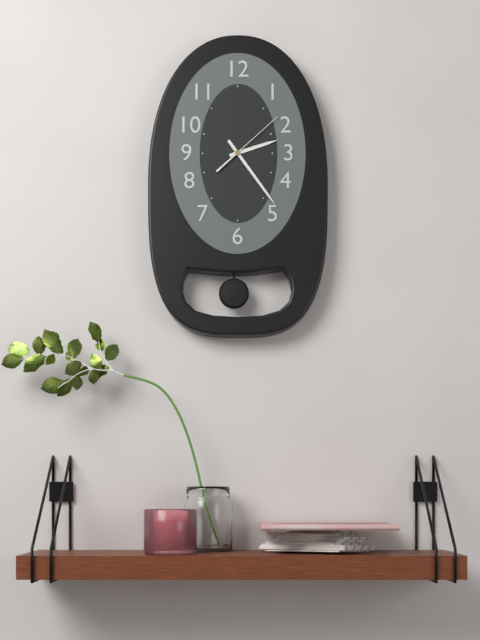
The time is 2h24m08s
